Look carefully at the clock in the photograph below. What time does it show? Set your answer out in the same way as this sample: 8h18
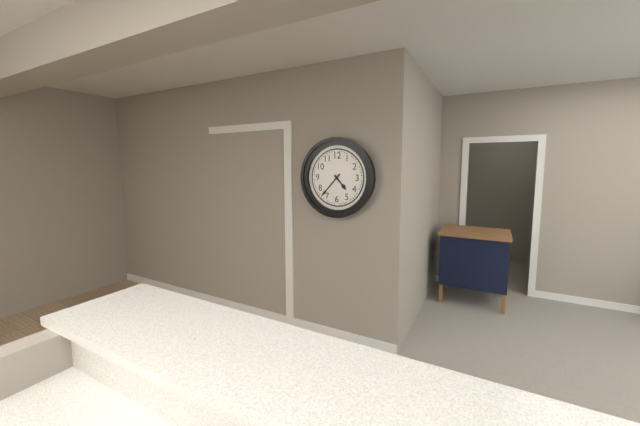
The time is 4h37
